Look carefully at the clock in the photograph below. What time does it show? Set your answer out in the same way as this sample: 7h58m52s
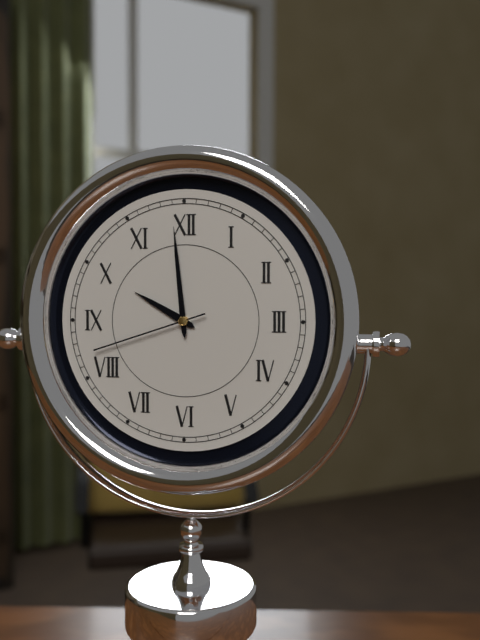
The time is 9h59m42s
